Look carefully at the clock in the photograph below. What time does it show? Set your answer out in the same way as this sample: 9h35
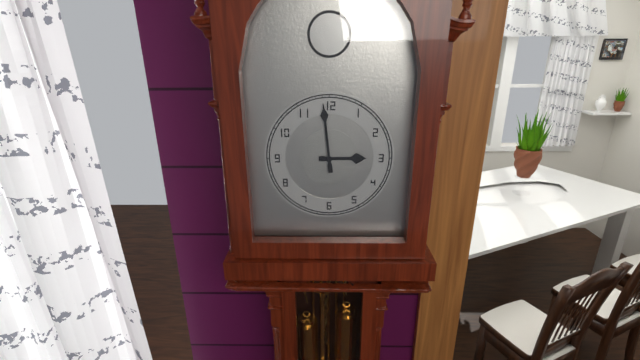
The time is 2h59
